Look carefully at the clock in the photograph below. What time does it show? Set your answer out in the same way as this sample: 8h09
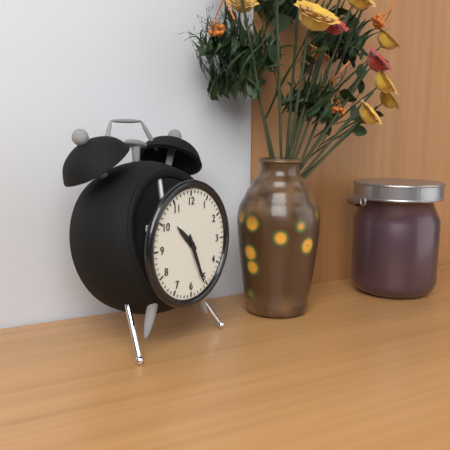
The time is 10h26
